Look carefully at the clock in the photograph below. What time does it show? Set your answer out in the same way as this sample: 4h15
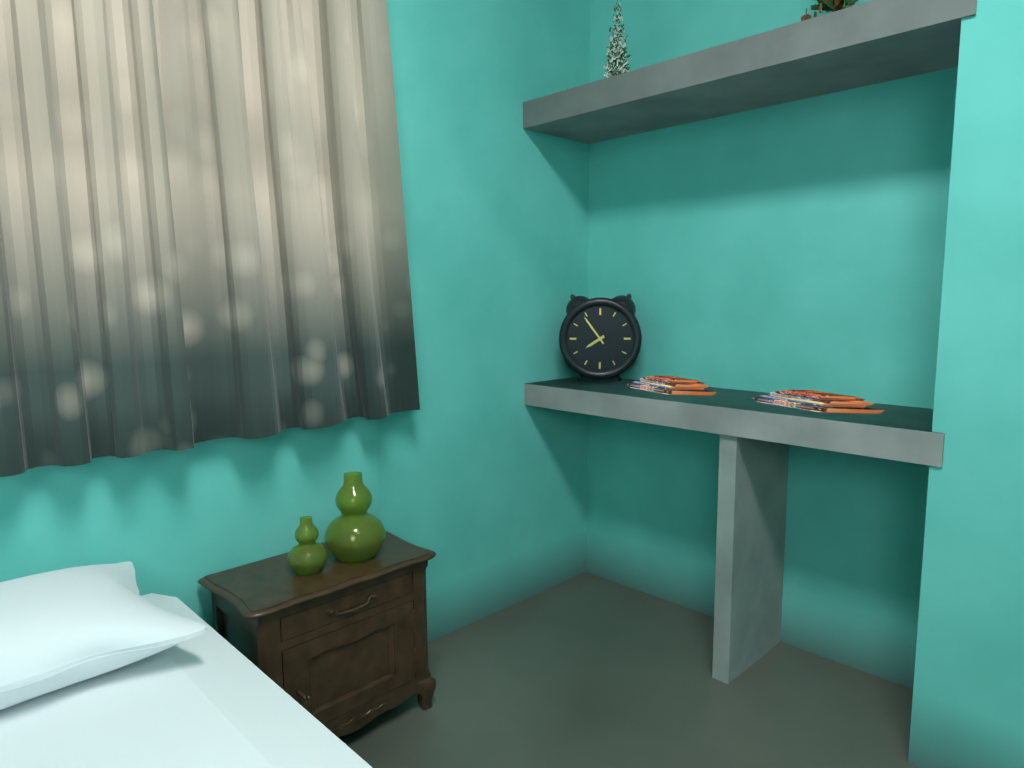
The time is 7h54
